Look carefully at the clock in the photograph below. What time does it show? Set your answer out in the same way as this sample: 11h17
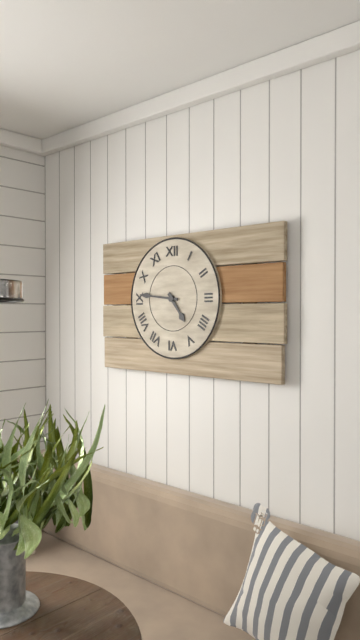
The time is 4h46
